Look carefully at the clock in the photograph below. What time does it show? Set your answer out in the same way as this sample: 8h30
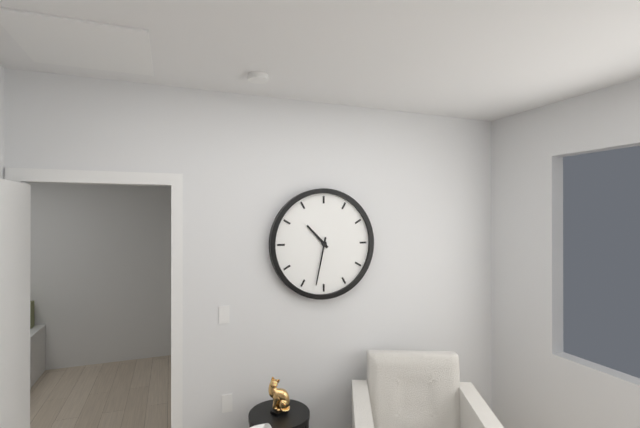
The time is 10h32
